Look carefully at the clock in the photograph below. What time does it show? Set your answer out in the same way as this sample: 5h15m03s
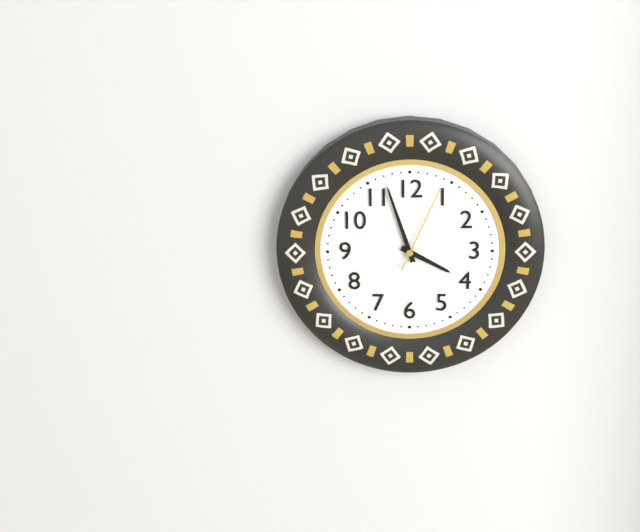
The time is 3h57m04s
